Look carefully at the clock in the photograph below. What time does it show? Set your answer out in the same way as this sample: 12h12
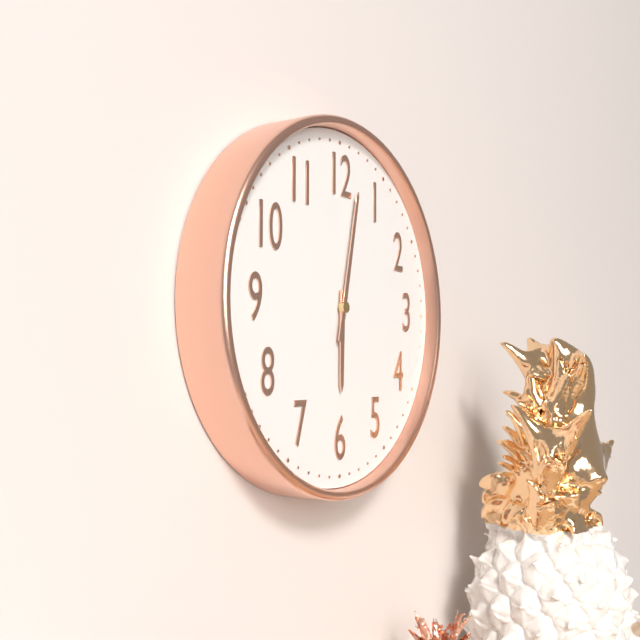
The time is 6h02
